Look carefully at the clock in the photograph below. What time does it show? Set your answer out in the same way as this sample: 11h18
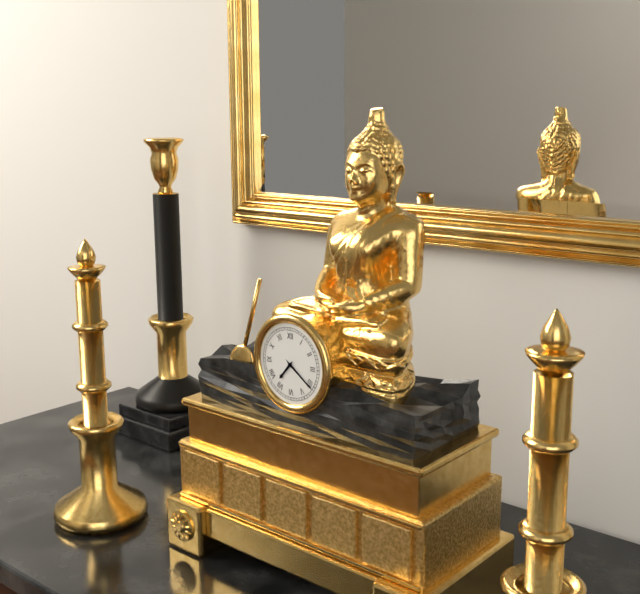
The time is 7h21
